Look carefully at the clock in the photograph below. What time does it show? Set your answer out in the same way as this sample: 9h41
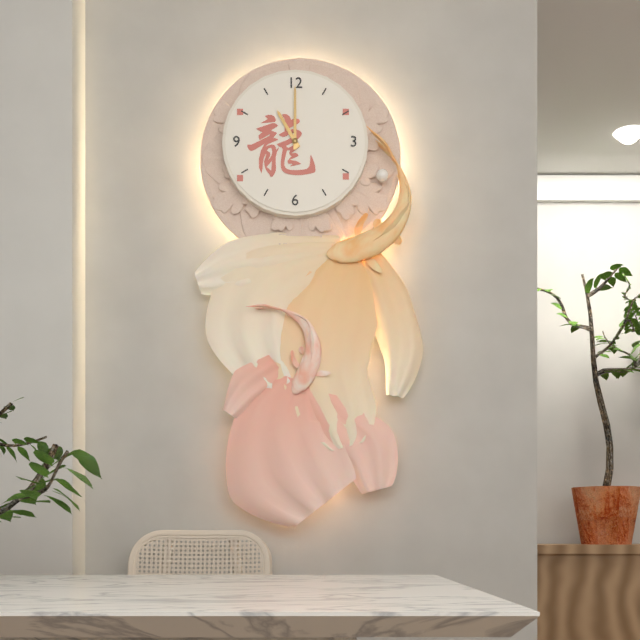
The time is 11h00
